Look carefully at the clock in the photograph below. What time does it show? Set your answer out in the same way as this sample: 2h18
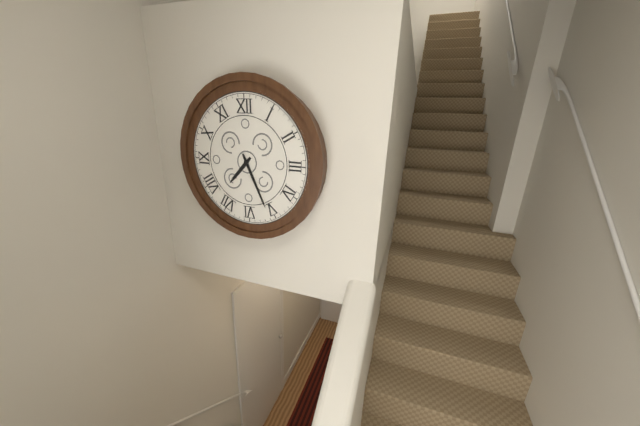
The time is 7h26
